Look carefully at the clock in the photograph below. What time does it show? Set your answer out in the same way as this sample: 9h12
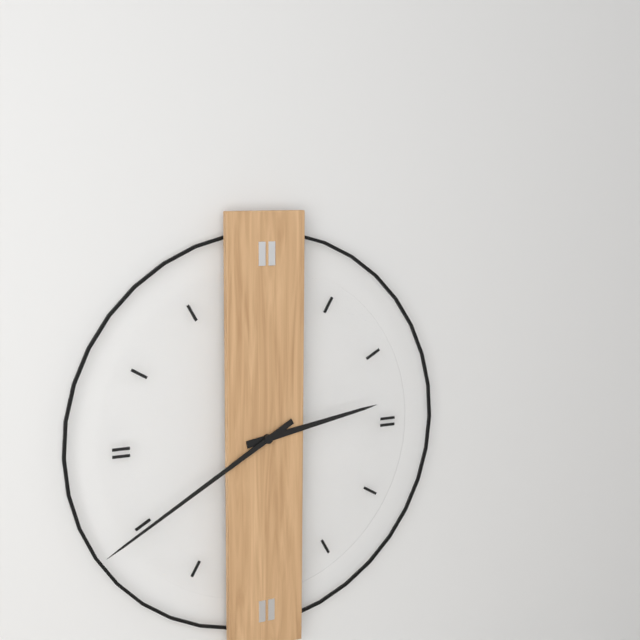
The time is 2h40
